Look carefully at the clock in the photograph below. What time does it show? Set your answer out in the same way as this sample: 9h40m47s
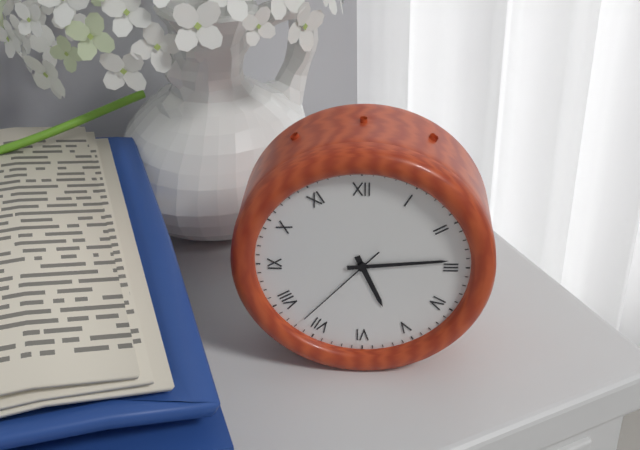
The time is 5h14m37s
